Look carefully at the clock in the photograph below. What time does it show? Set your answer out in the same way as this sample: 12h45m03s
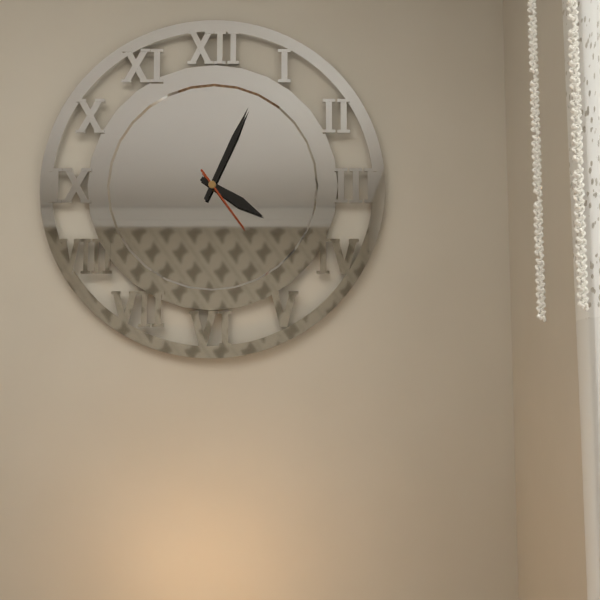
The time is 4h04m24s
